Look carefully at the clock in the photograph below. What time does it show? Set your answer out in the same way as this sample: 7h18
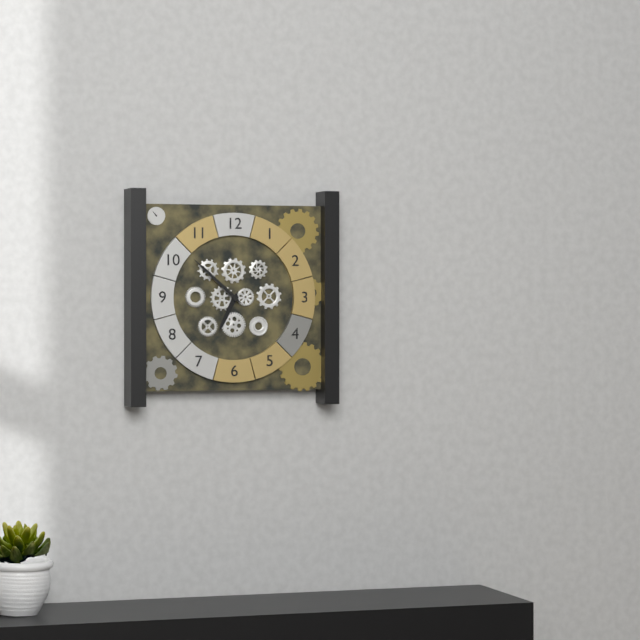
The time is 6h52
